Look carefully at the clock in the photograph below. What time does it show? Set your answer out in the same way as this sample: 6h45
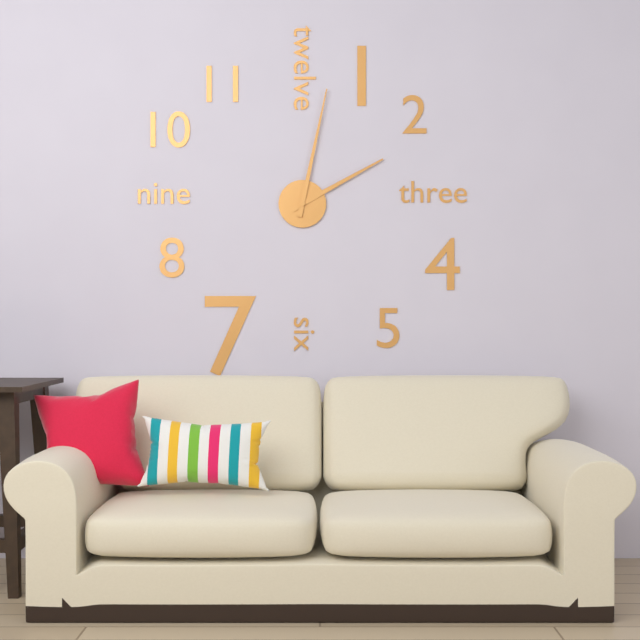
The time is 2h02
